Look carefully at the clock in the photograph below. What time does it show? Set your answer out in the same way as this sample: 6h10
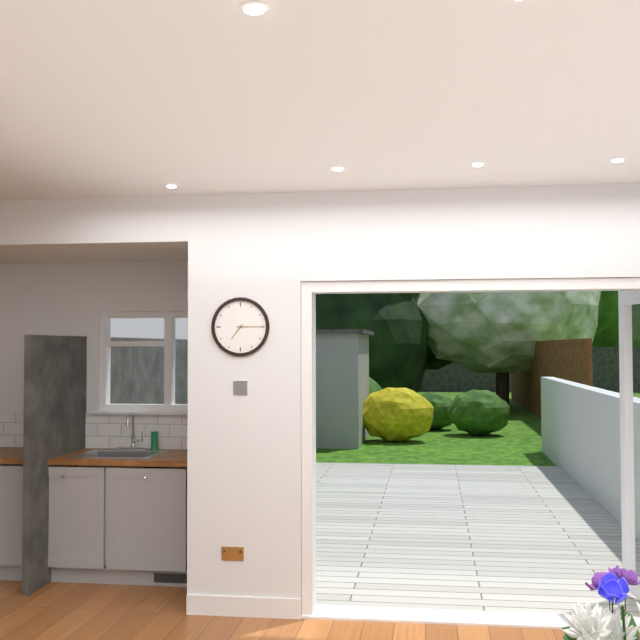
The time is 7h15
